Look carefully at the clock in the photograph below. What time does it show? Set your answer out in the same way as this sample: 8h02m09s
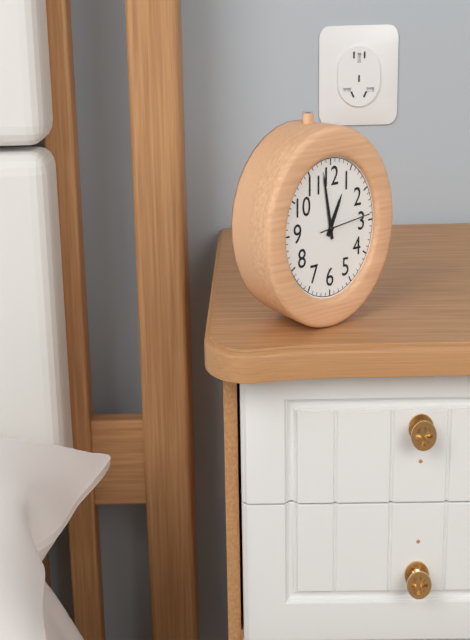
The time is 12h58m14s
